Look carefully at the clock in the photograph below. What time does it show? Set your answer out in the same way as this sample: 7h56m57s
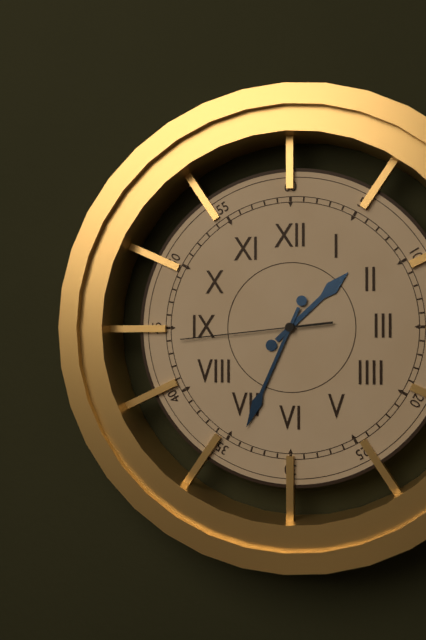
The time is 1h34m44s
